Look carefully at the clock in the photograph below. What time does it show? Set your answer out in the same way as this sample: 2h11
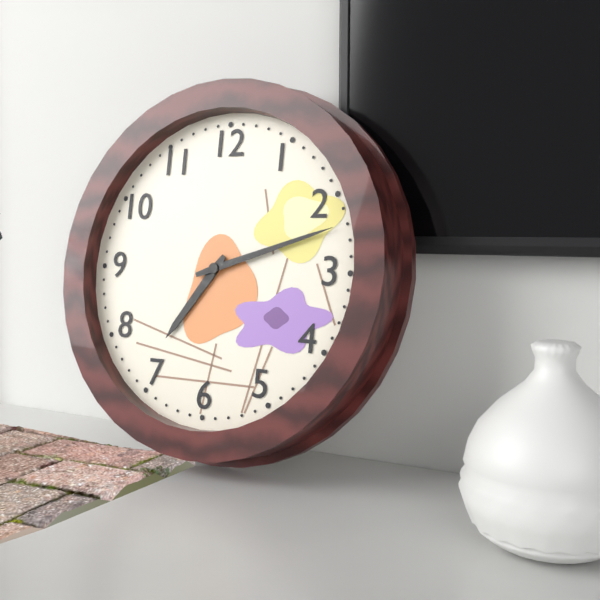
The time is 7h12
